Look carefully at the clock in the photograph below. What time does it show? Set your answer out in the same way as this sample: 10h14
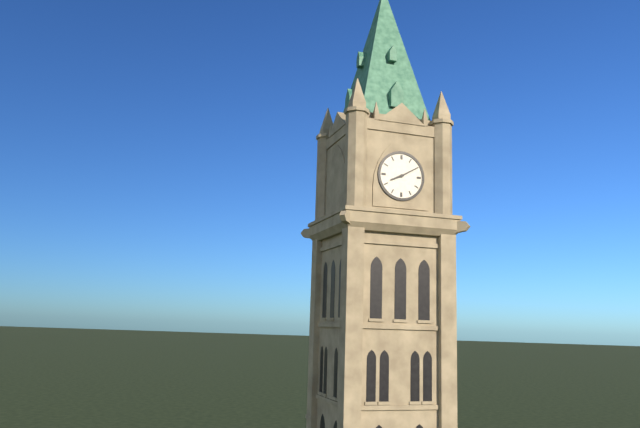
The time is 8h10
